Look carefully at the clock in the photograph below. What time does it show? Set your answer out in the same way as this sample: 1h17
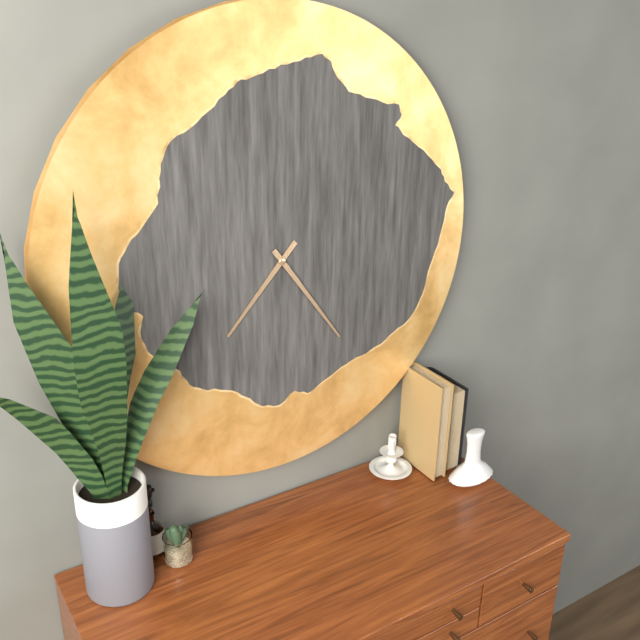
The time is 7h24
